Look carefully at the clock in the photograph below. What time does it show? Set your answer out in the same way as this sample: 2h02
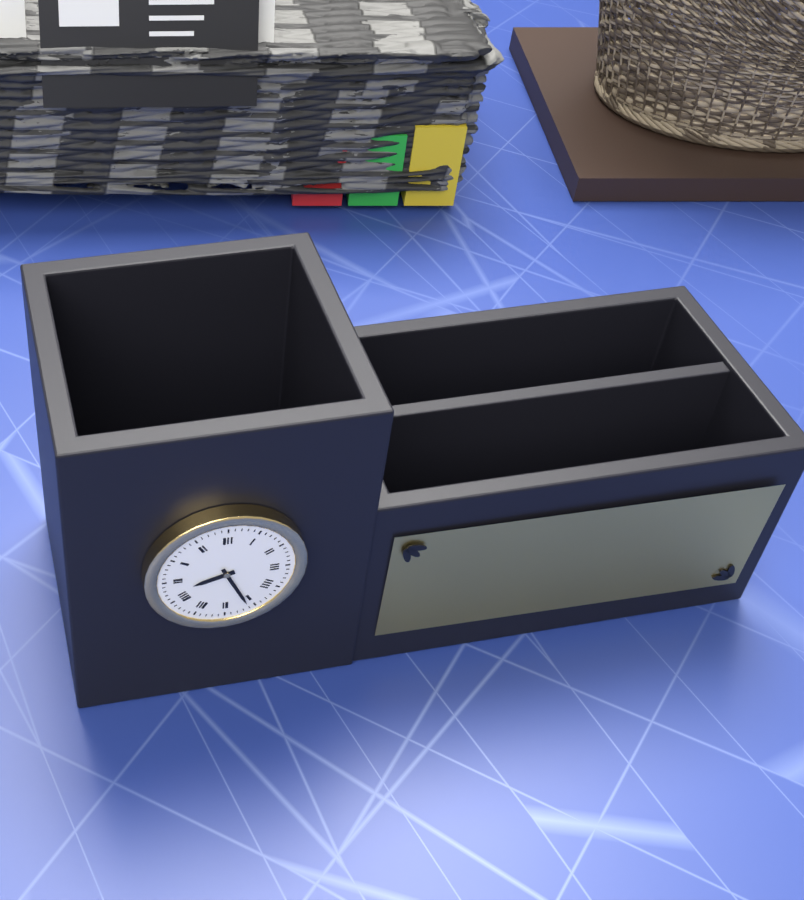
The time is 8h26
